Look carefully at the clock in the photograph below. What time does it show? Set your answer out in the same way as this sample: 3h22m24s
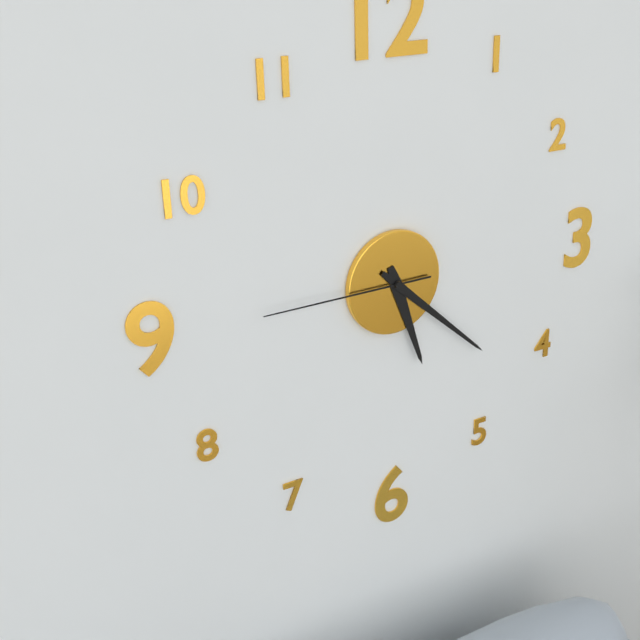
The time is 5h22m45s
